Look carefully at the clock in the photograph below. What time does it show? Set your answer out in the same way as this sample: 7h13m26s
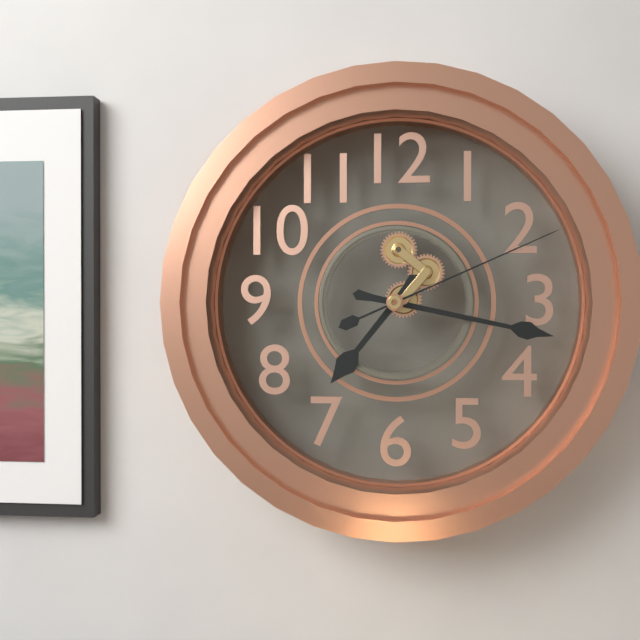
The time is 7h17m11s
